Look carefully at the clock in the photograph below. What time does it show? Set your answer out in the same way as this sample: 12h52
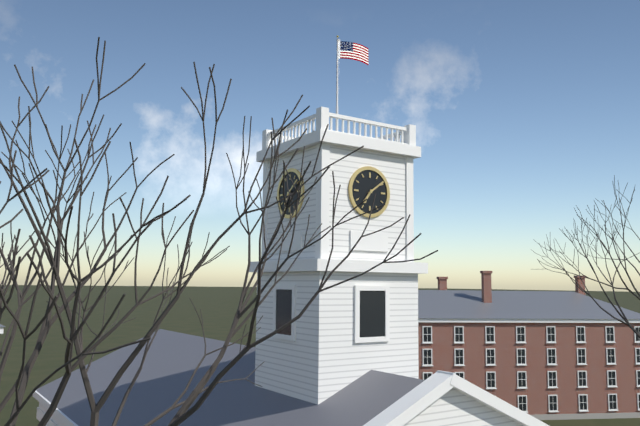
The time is 7h09
